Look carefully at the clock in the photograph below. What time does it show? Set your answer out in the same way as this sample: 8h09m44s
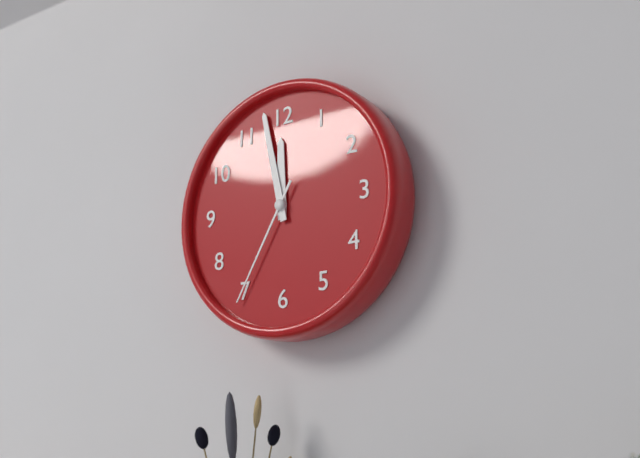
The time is 11h58m35s
